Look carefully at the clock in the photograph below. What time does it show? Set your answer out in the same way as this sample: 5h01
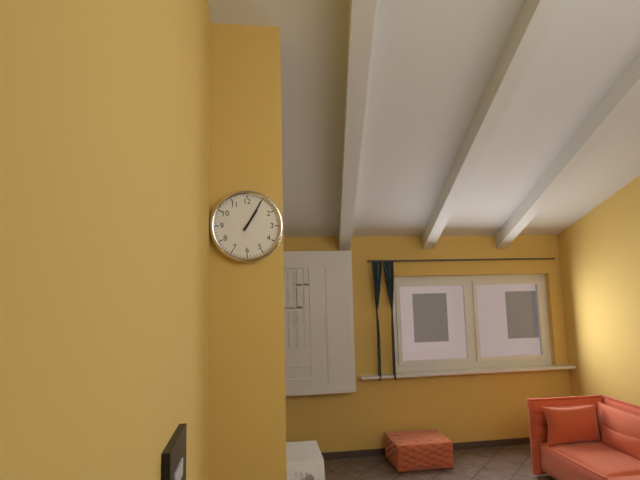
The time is 1h05
